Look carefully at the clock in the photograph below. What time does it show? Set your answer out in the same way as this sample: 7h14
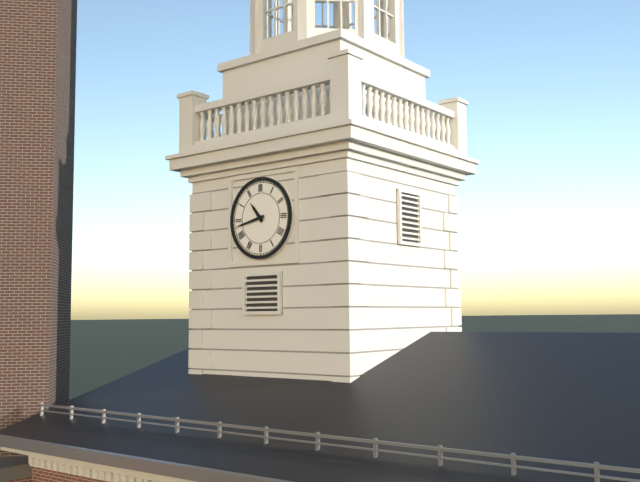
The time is 10h43
